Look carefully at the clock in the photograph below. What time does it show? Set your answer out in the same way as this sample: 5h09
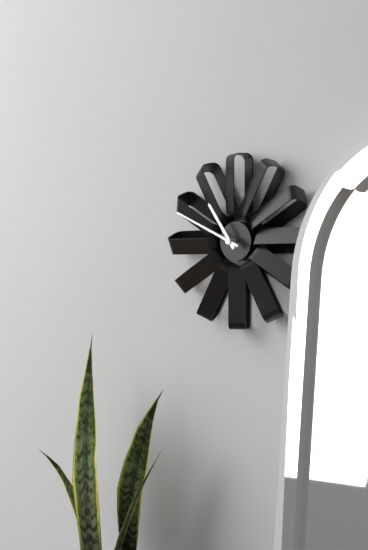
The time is 10h49
